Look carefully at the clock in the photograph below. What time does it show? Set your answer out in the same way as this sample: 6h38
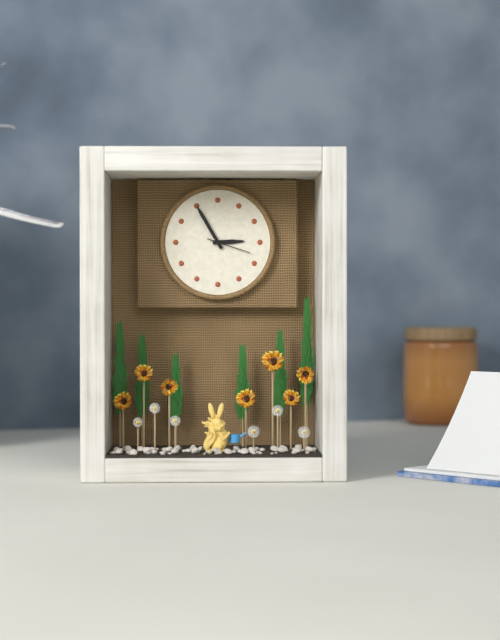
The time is 2h55
